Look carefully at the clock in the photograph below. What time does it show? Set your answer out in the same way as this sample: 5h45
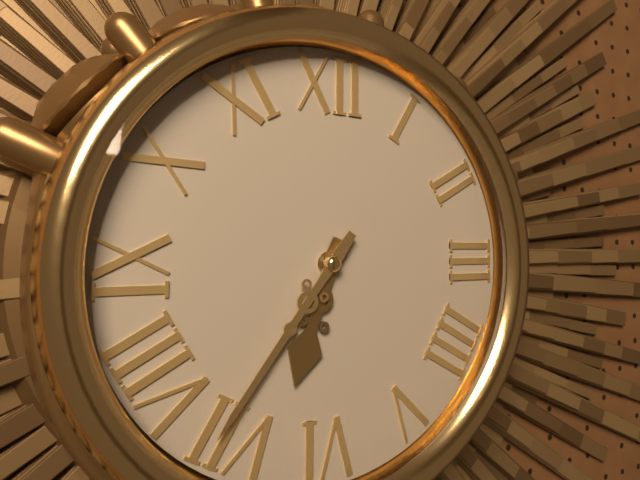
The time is 6h36
